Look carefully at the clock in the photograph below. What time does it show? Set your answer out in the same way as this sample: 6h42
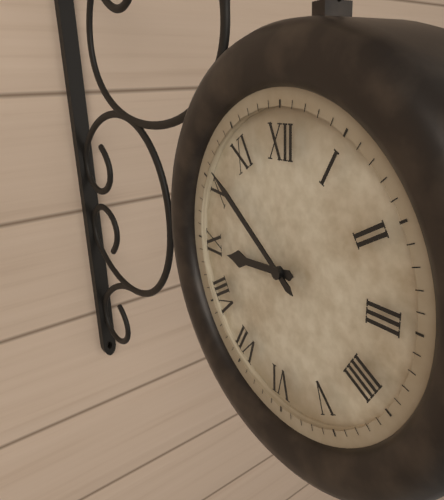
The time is 8h51
